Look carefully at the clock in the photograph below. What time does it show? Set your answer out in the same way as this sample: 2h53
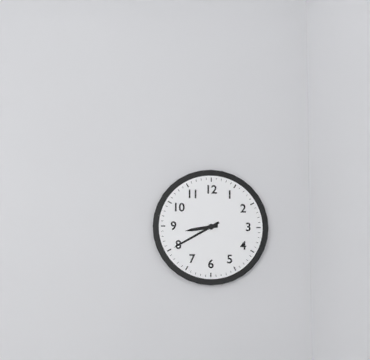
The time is 8h40
